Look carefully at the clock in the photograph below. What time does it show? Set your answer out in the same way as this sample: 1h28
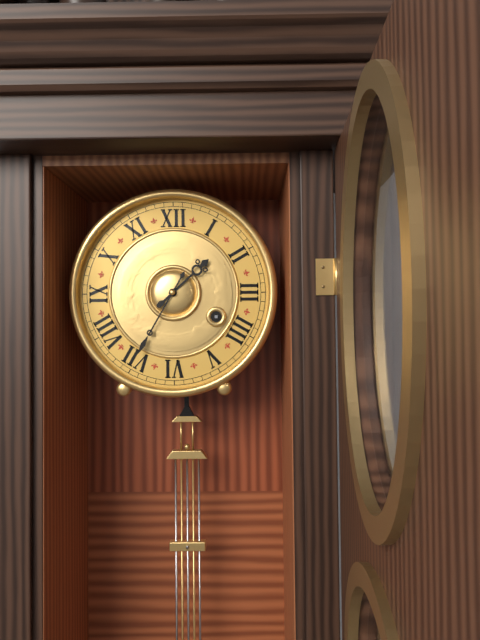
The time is 1h35
